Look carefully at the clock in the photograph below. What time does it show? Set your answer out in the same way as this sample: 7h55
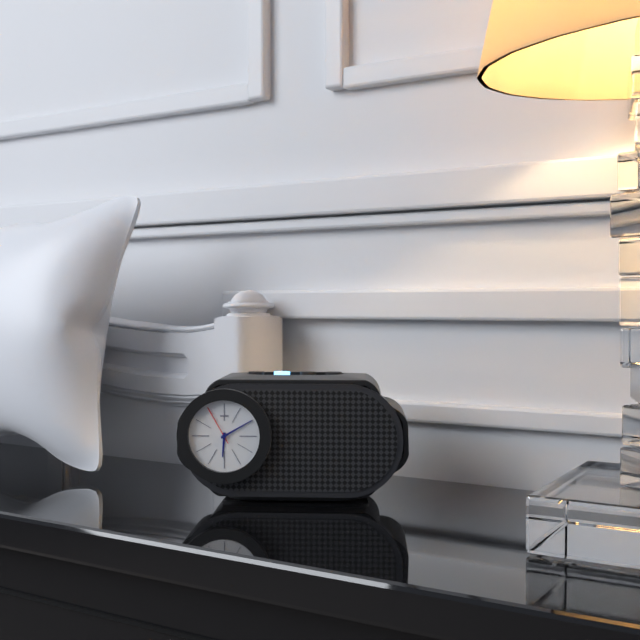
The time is 6h10
